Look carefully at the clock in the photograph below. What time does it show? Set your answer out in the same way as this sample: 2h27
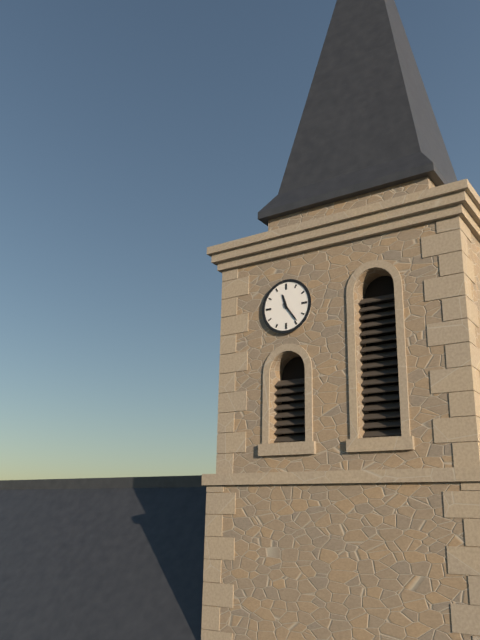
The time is 11h24
